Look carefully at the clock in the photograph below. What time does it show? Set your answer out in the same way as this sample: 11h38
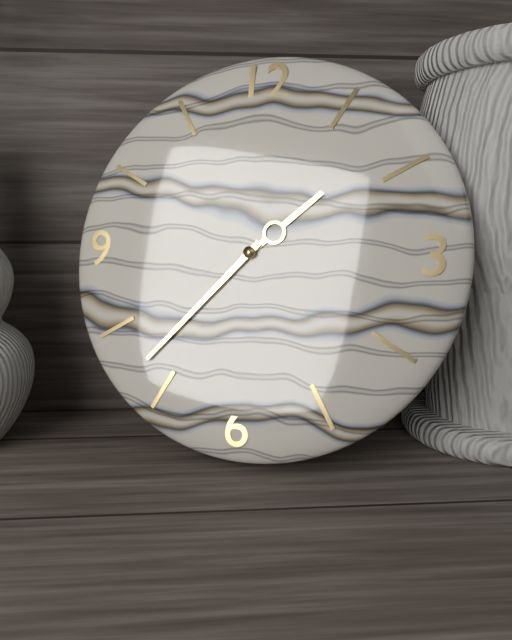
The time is 1h37
